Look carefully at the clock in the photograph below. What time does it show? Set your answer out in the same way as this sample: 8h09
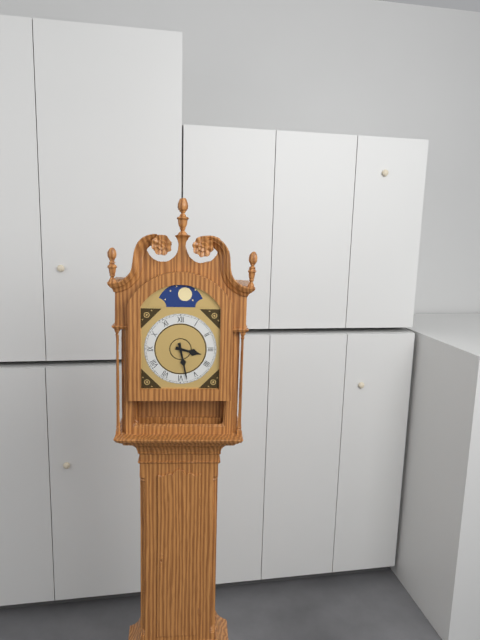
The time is 3h28
